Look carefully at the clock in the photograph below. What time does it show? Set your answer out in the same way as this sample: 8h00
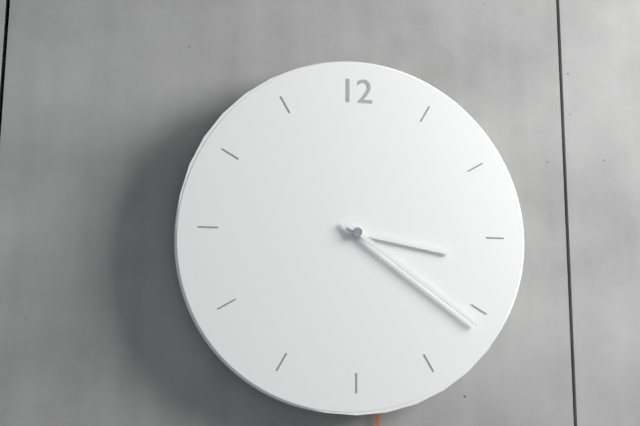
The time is 3h21
